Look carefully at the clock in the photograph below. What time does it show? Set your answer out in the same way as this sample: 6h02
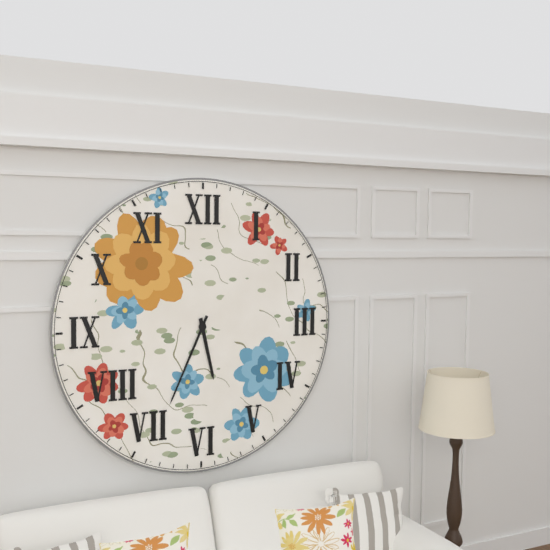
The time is 5h34
